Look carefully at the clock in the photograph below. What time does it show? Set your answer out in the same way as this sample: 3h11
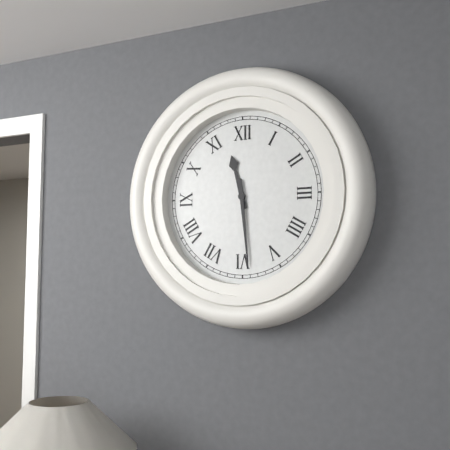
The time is 11h29
